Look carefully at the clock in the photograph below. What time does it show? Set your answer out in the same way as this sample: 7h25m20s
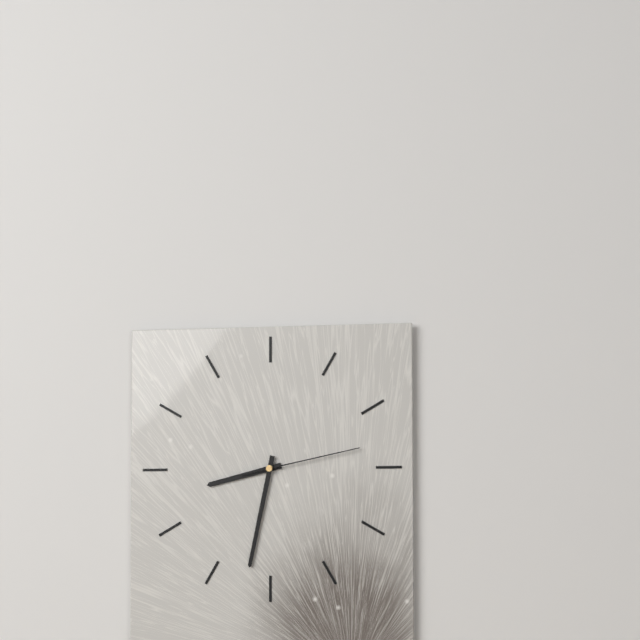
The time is 8h32m13s
